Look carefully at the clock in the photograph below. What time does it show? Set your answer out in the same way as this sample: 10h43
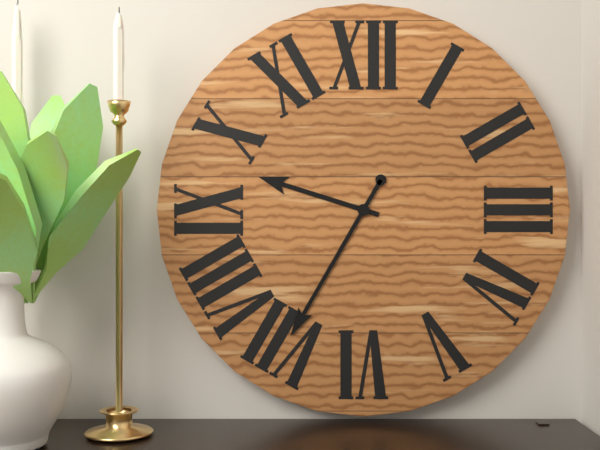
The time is 9h35
